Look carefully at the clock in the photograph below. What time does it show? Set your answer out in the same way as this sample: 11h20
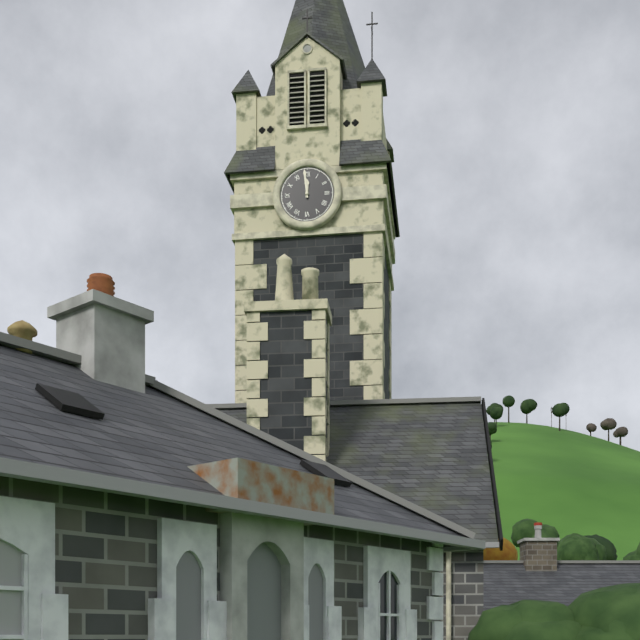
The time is 11h59
